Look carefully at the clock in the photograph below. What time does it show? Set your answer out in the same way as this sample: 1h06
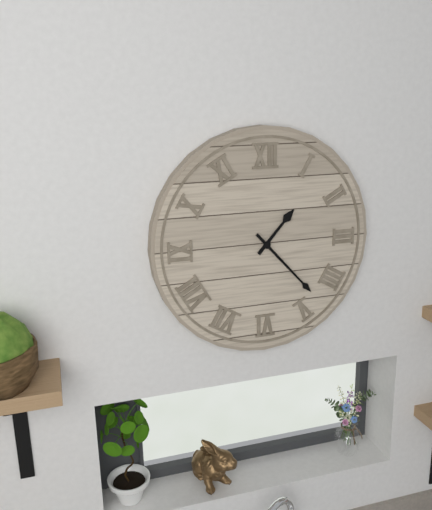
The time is 1h23
